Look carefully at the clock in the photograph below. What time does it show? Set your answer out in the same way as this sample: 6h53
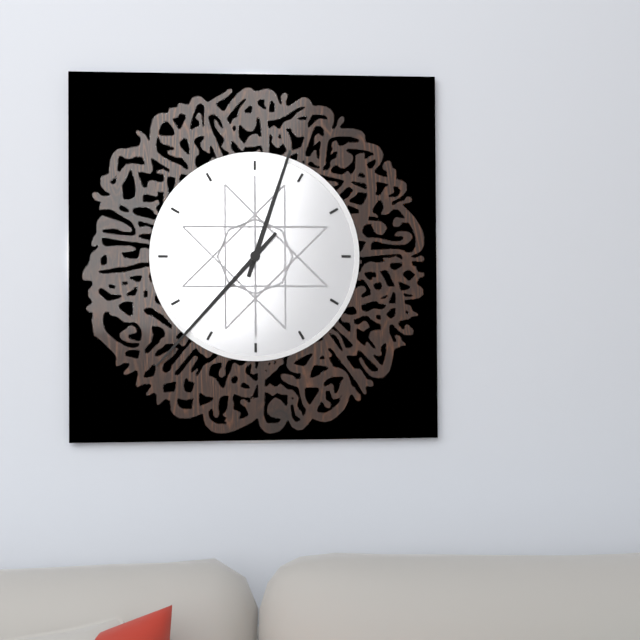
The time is 12h37
